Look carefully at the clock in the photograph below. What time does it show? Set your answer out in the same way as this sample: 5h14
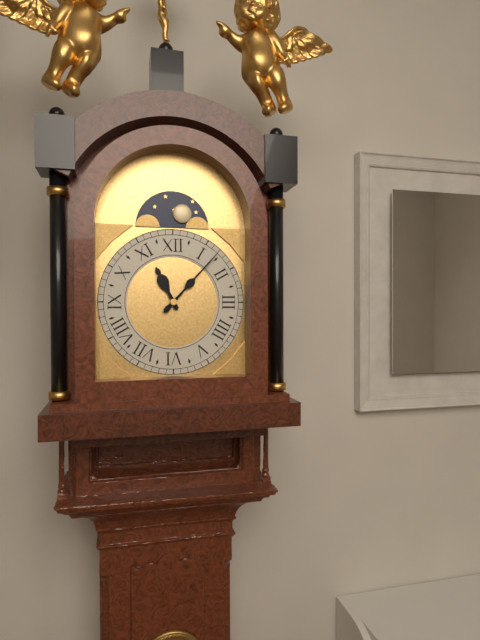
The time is 11h07
